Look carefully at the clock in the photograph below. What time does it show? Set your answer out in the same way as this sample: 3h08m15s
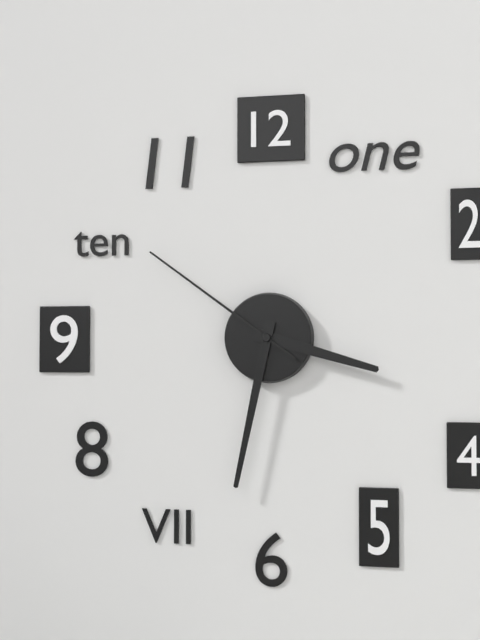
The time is 3h32m51s
